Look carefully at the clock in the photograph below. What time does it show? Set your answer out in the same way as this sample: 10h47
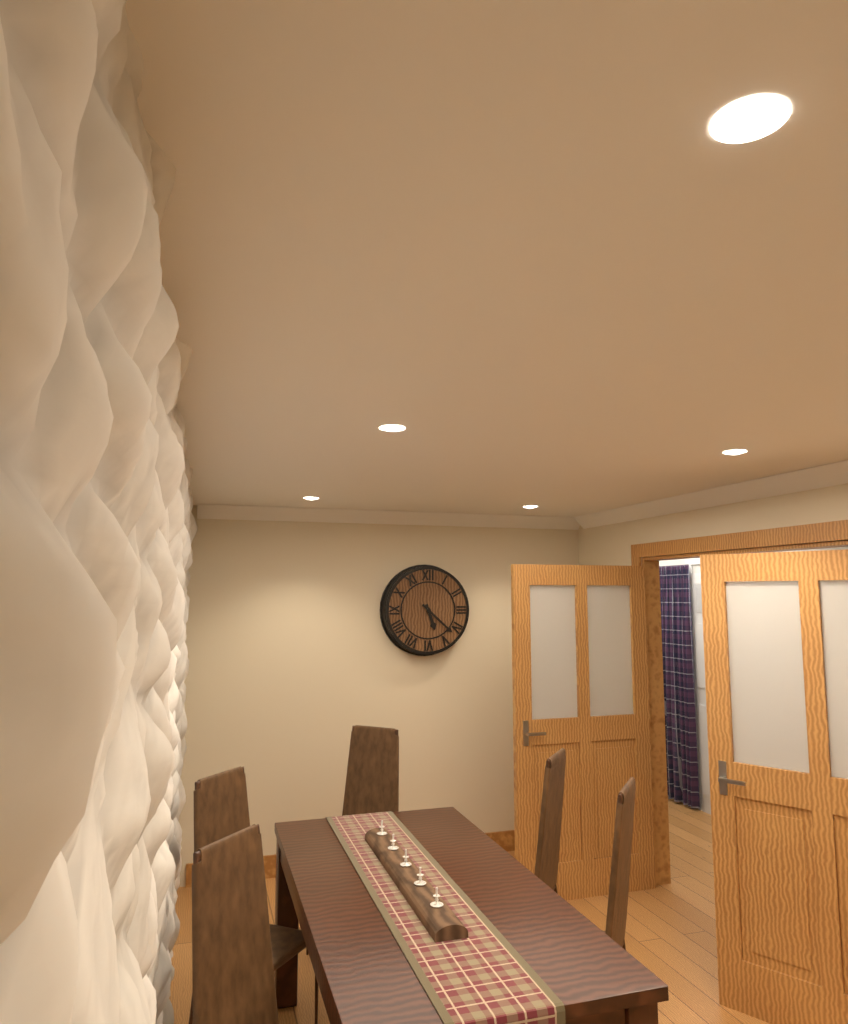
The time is 5h22
